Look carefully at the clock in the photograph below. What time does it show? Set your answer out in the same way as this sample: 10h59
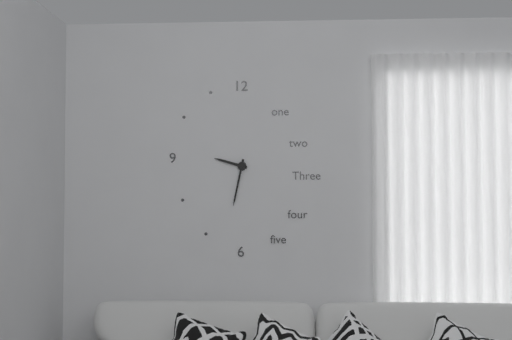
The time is 9h32
